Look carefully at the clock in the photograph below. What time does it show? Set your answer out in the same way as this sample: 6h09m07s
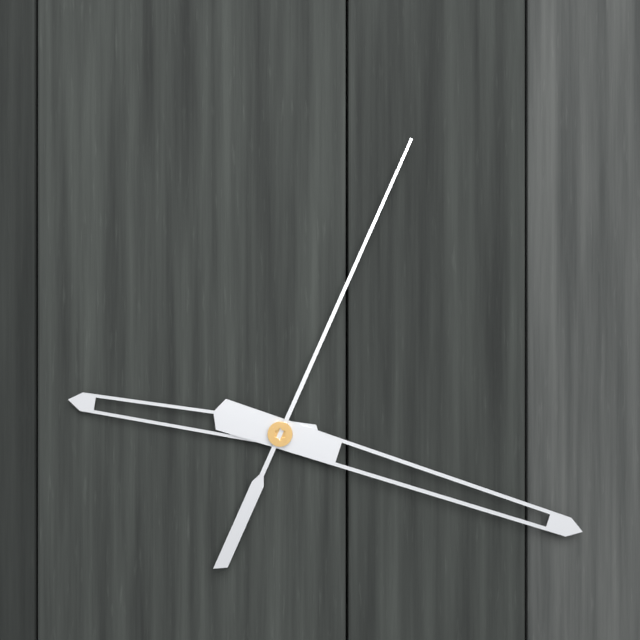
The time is 9h18m04s
